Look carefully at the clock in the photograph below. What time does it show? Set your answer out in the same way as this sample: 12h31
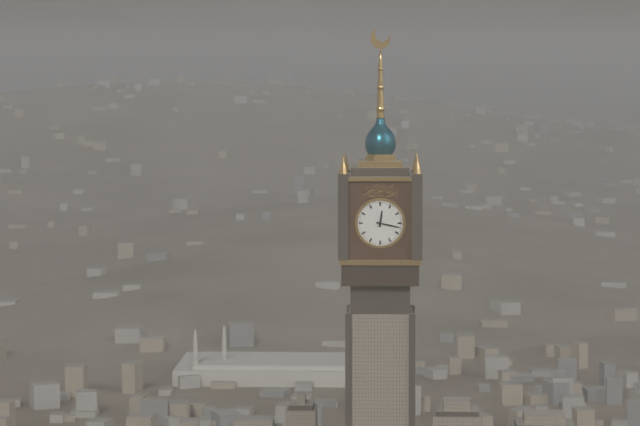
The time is 12h17
